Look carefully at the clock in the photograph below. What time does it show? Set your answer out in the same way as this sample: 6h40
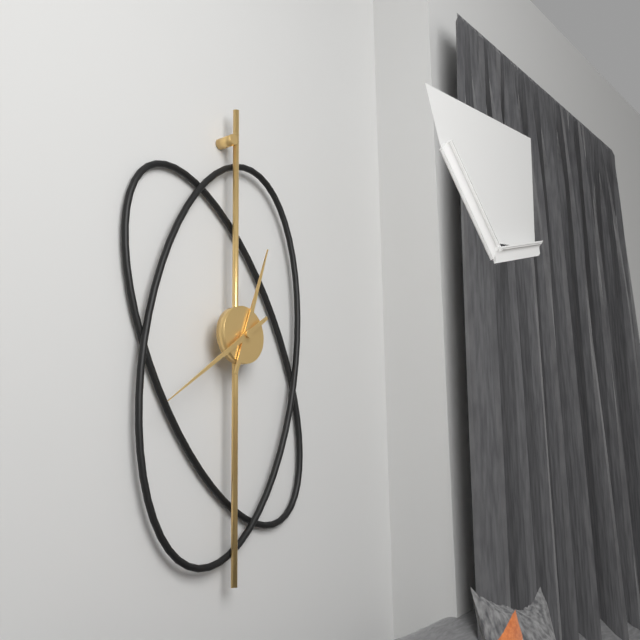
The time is 12h39
